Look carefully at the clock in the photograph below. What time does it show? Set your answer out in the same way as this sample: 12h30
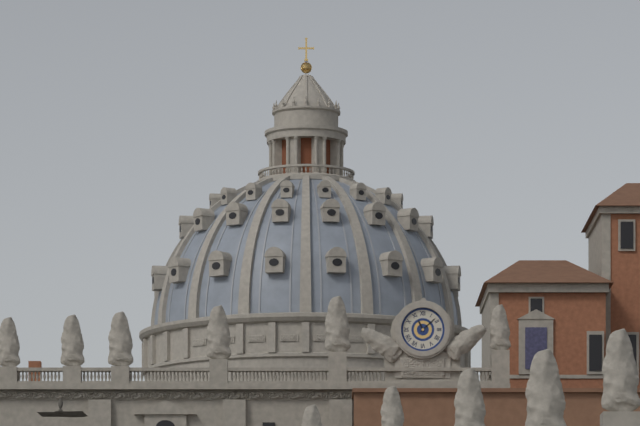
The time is 11h08
